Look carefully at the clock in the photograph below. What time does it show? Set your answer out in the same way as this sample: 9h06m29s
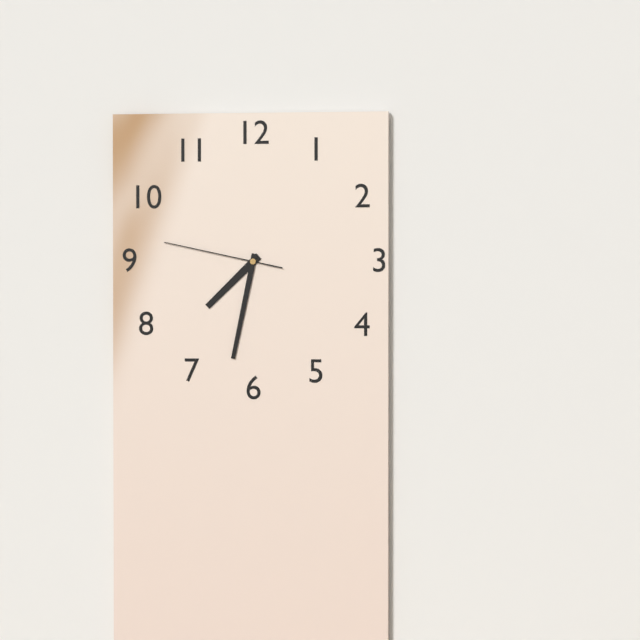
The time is 7h32m47s
